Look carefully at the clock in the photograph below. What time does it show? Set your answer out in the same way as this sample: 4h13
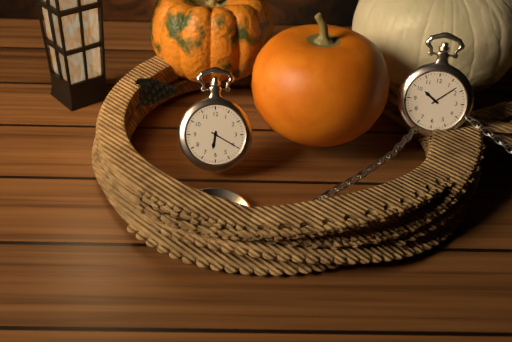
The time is 6h20
